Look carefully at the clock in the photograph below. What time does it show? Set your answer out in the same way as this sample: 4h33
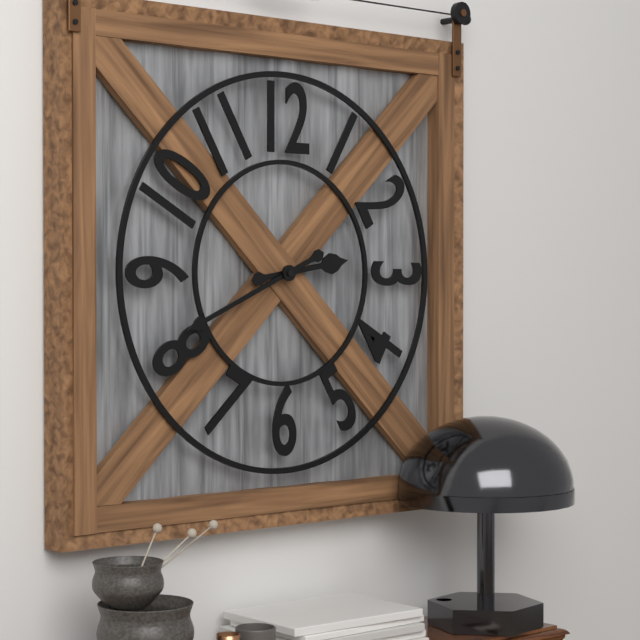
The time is 2h41
